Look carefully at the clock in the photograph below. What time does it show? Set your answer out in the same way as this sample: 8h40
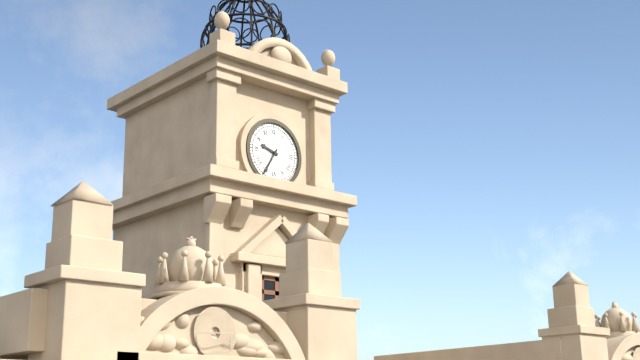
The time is 9h35
